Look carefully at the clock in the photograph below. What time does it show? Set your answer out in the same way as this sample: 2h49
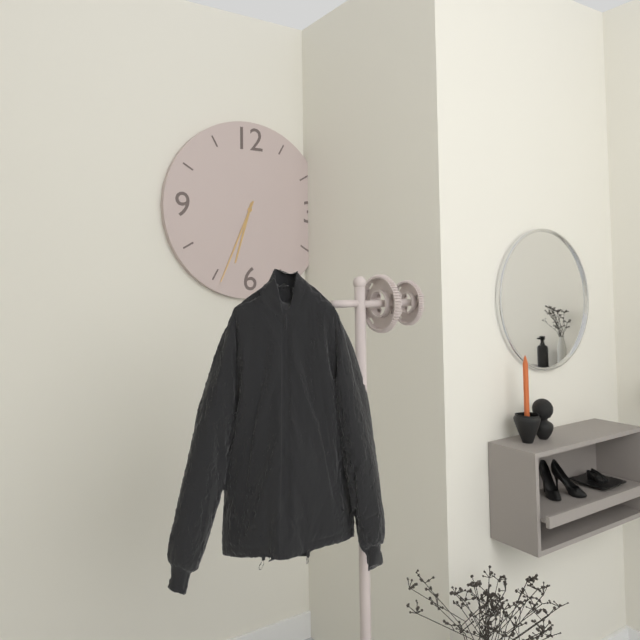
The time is 6h34
